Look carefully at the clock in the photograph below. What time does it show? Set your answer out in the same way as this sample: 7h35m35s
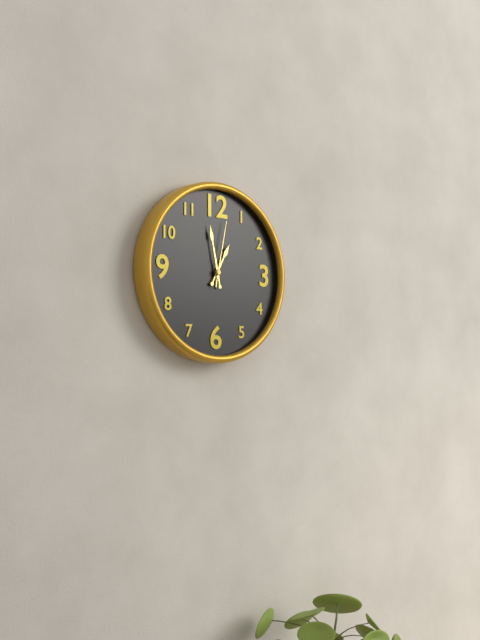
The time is 12h58m02s
